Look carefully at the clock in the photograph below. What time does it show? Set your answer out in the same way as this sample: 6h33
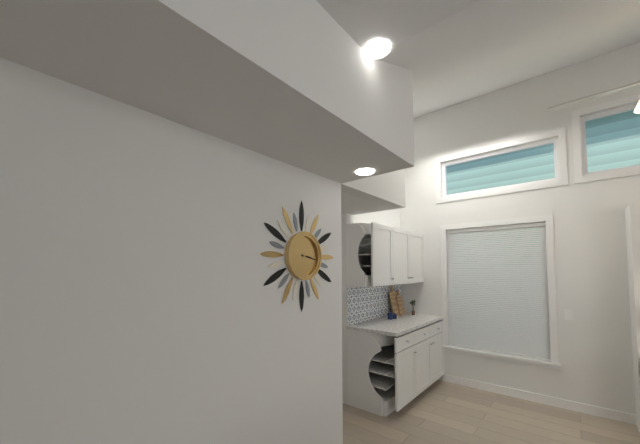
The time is 3h17
